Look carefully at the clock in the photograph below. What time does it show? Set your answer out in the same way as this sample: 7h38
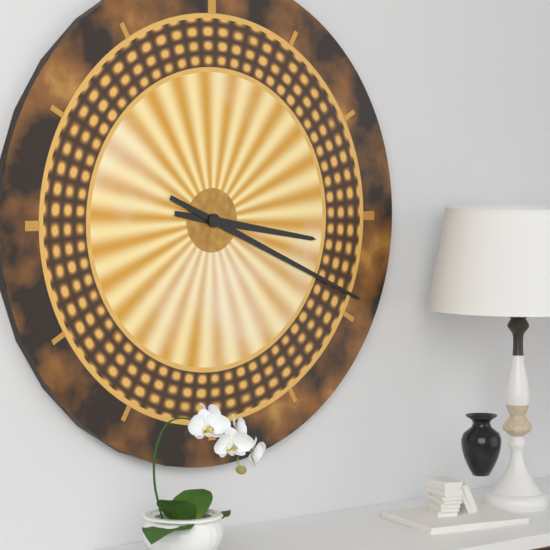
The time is 3h19
